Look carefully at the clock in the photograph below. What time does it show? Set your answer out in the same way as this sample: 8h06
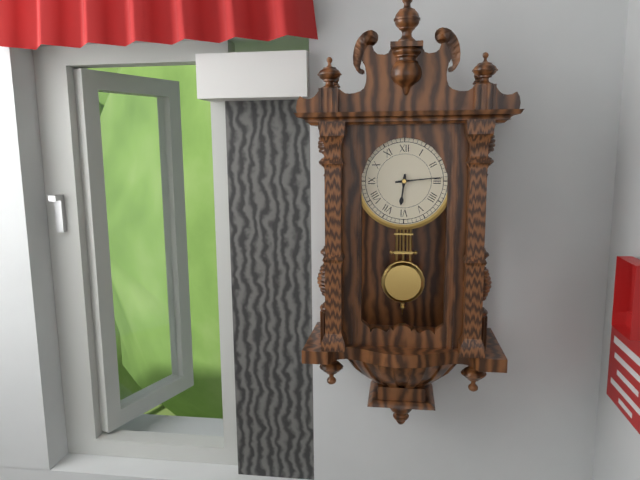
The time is 6h14
